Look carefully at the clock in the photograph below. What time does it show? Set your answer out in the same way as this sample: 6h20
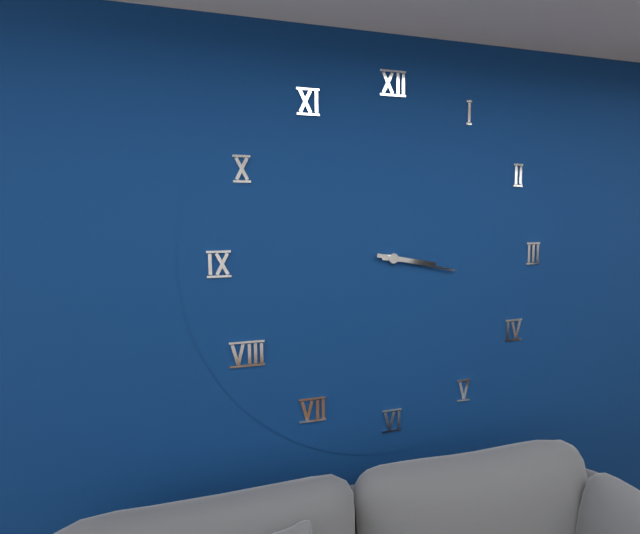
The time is 3h17
